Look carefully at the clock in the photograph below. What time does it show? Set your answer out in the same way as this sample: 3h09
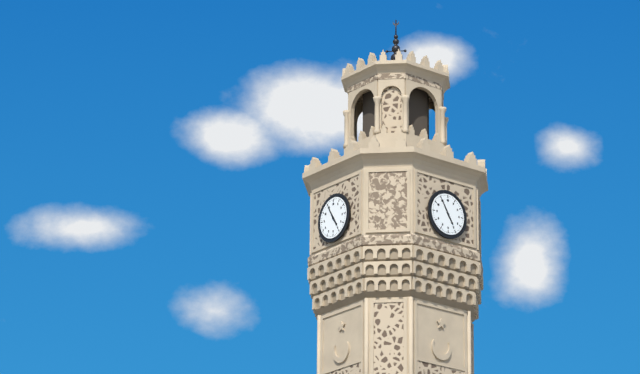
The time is 4h55
